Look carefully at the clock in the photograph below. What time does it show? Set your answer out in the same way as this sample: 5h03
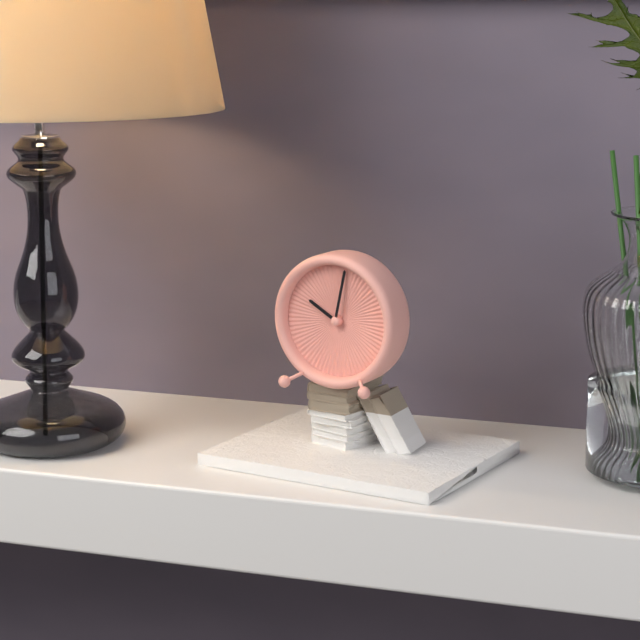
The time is 10h02
